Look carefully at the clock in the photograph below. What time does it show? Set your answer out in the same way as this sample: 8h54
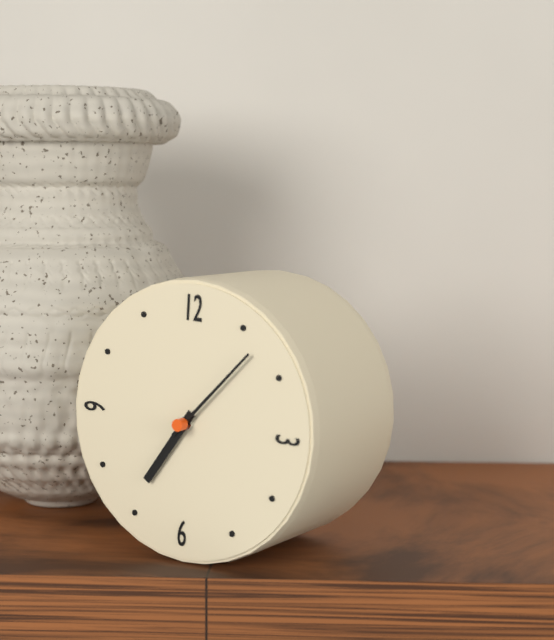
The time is 7h07
